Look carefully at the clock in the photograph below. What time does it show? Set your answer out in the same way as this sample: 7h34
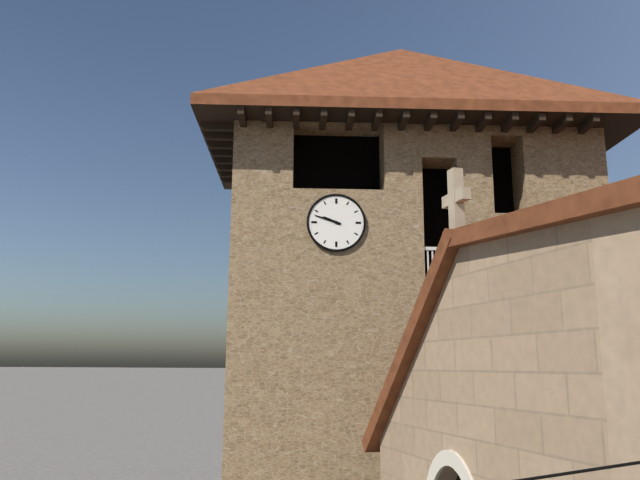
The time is 9h48
